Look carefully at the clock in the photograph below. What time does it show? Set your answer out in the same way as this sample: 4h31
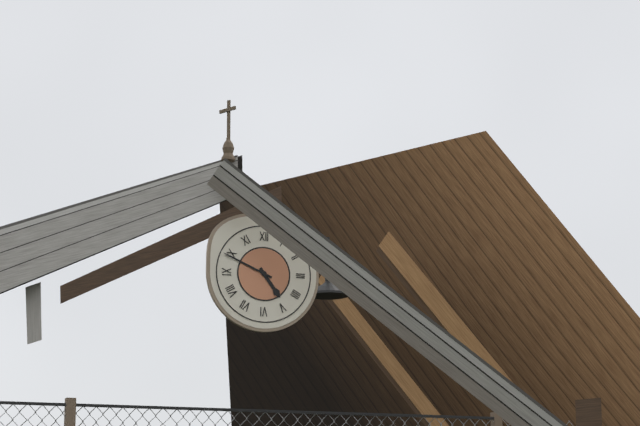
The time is 4h49
